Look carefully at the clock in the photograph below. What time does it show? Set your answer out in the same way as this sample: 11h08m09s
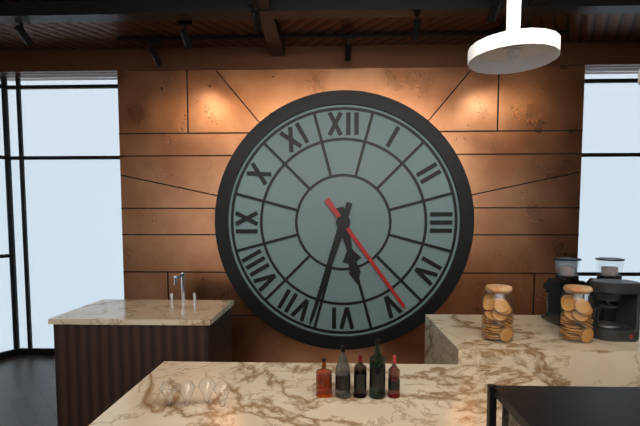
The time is 5h33m24s
